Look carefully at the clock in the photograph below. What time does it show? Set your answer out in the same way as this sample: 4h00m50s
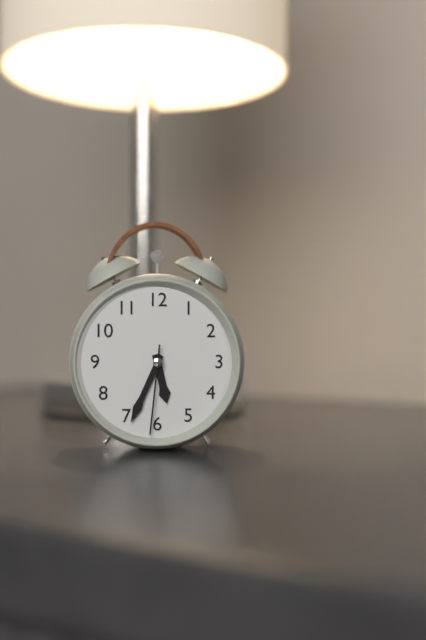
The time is 5h34m31s
